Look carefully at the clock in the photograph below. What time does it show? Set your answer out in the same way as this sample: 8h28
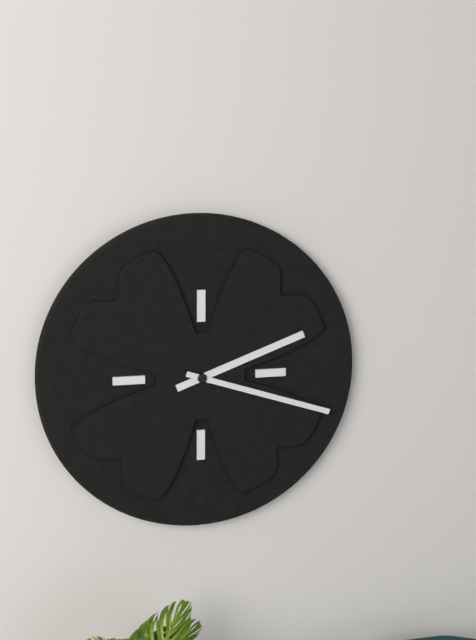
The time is 2h18
